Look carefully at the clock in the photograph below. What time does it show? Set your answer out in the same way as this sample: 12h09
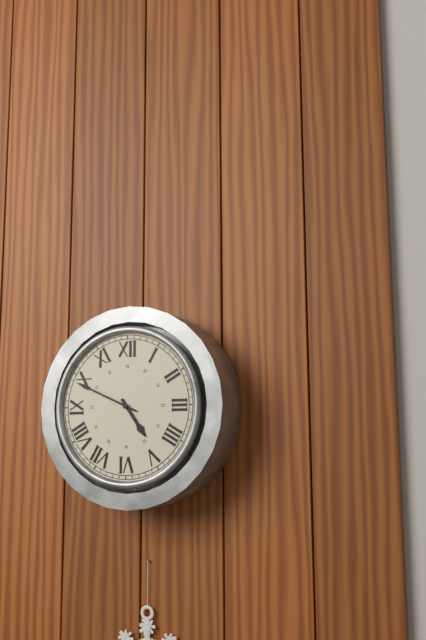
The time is 4h49
